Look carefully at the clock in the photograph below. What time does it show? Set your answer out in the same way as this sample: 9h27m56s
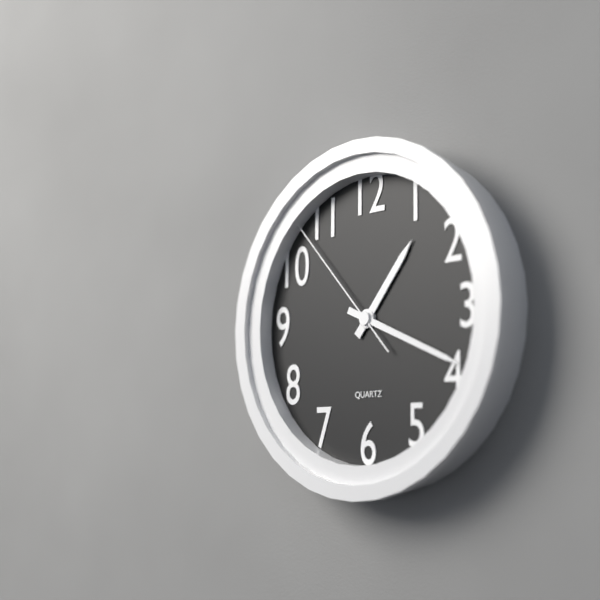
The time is 1h19m53s
